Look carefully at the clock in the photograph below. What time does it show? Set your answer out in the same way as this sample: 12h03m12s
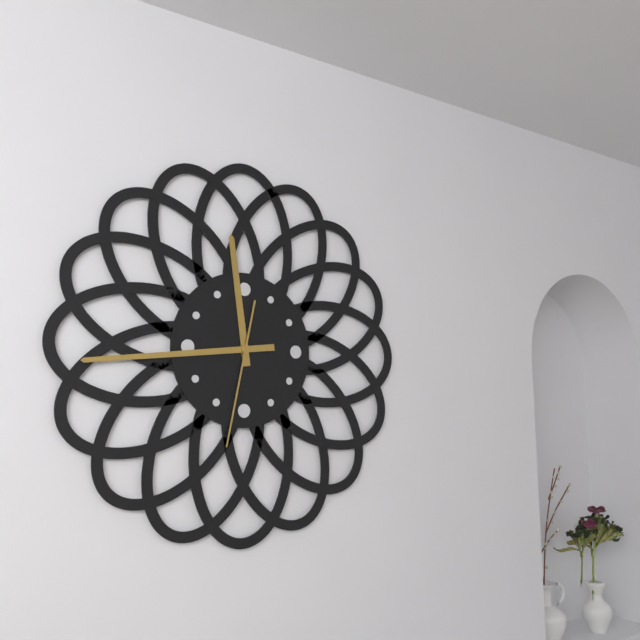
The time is 11h44m32s
